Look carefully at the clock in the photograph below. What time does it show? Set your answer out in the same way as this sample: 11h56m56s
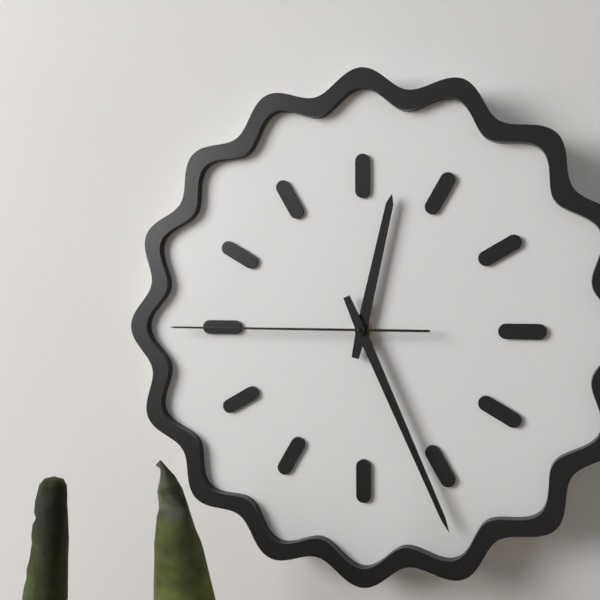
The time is 12h26m45s
